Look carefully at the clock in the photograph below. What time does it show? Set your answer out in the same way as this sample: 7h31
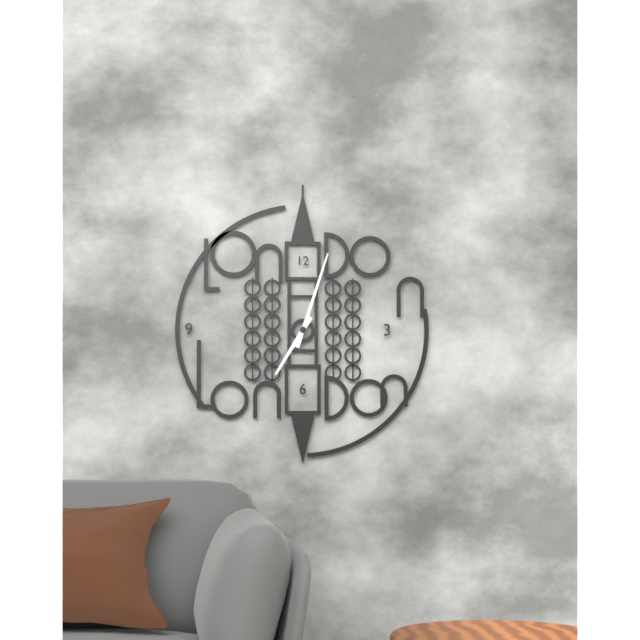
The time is 7h03
